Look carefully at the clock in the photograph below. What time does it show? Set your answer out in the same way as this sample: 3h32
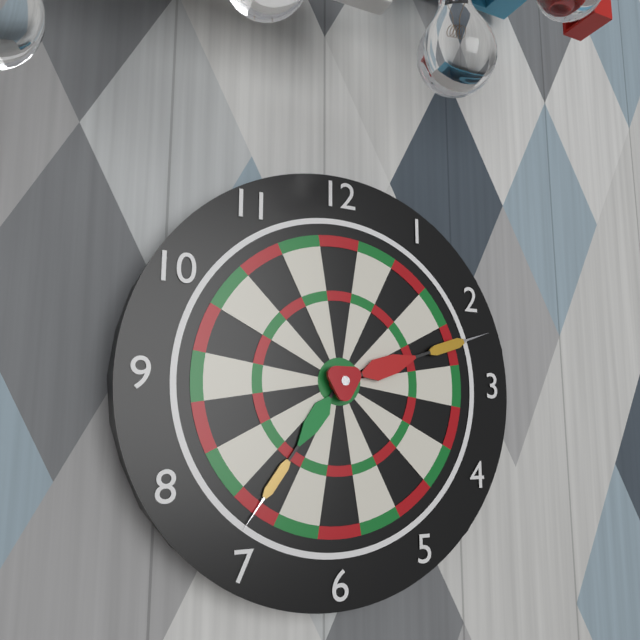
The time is 7h12
